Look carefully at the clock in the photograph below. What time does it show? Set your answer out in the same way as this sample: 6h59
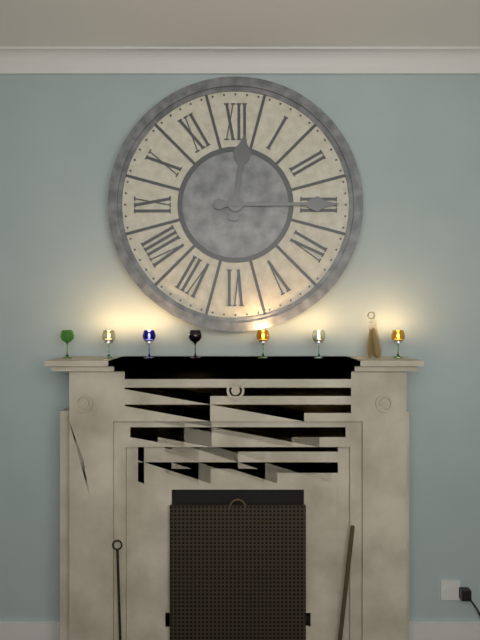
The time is 12h15
